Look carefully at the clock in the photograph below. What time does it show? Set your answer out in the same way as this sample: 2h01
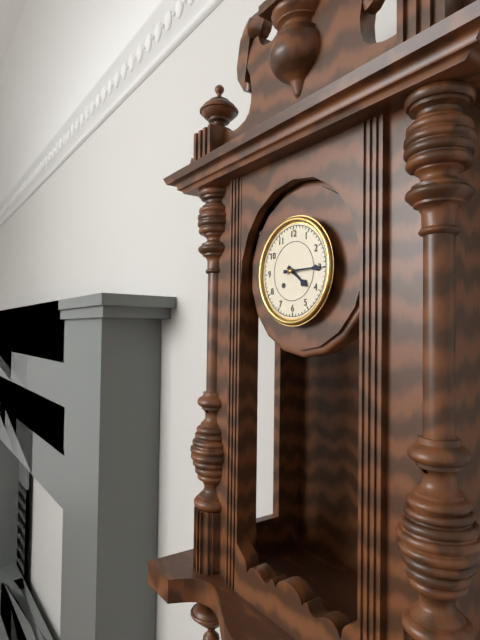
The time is 4h15
